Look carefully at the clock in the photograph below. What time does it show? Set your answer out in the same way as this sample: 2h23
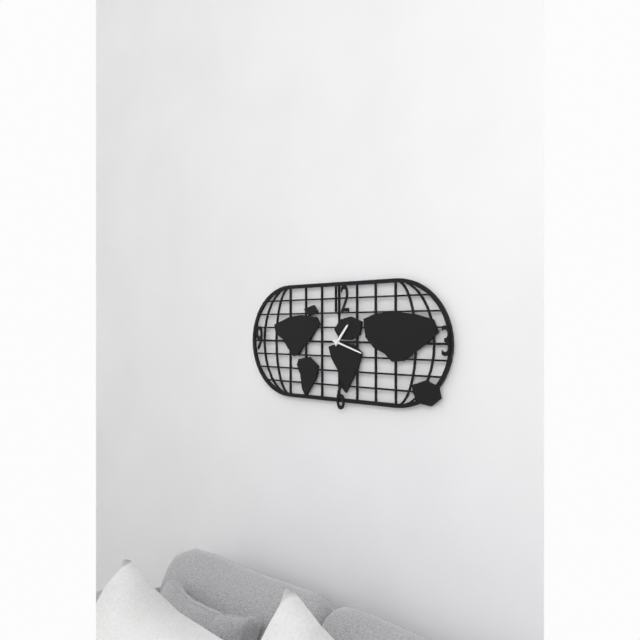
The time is 1h18
